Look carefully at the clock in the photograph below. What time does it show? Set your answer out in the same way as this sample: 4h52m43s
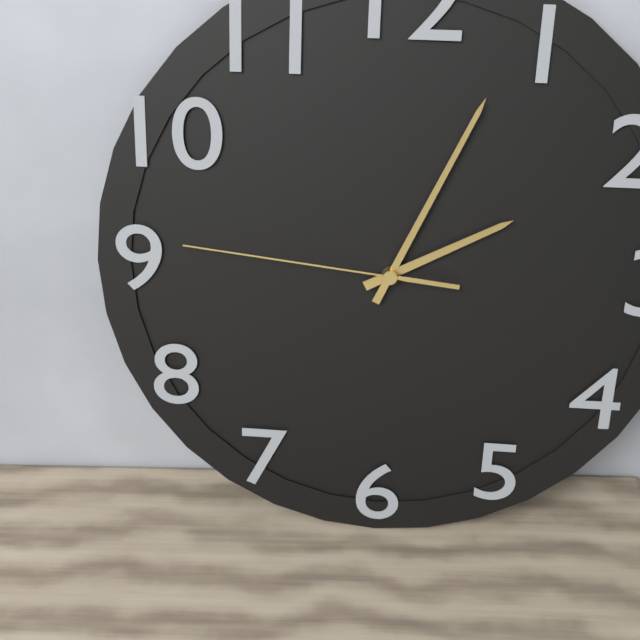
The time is 2h04m46s
